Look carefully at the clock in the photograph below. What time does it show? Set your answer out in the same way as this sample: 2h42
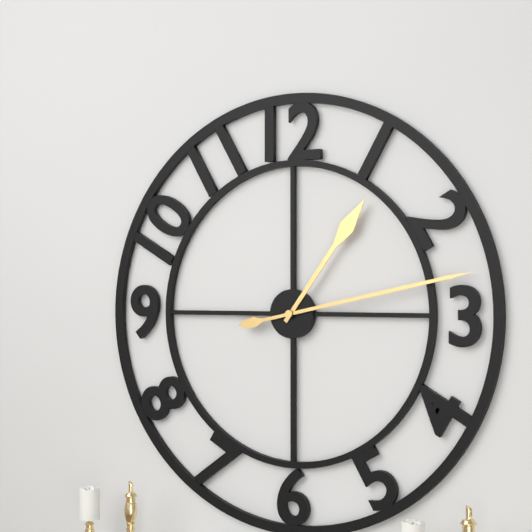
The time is 1h13
